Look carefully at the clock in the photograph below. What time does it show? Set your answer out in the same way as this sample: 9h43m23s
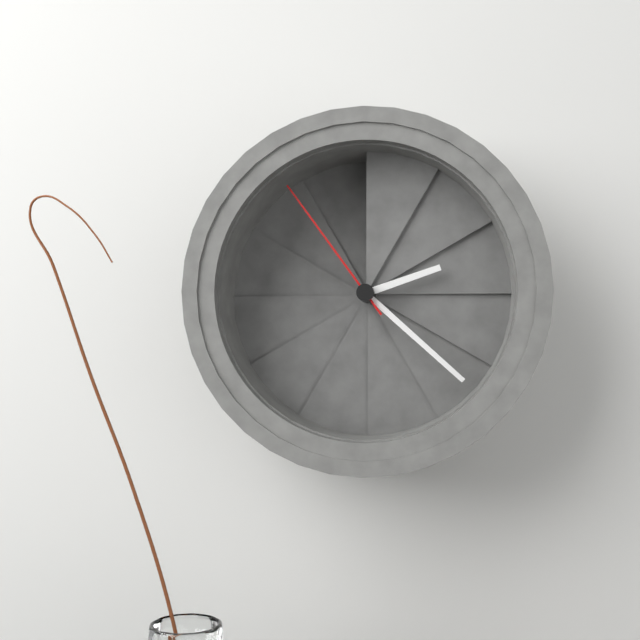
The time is 2h22m54s
